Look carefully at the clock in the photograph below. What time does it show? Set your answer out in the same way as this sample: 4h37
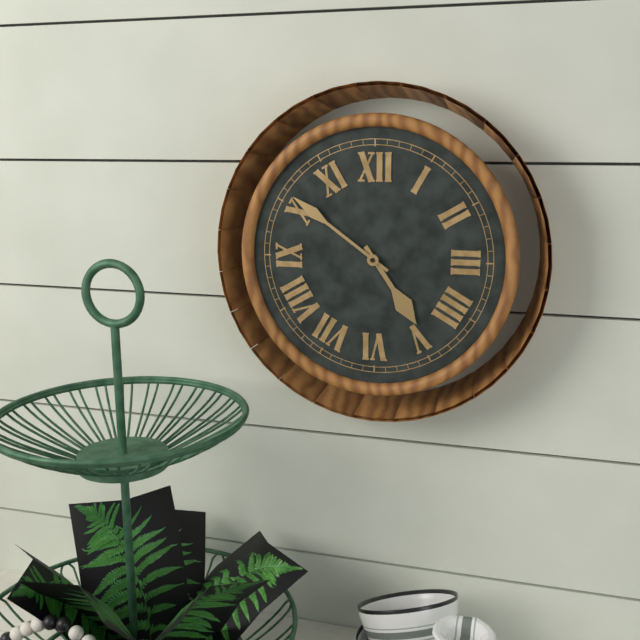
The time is 4h51
